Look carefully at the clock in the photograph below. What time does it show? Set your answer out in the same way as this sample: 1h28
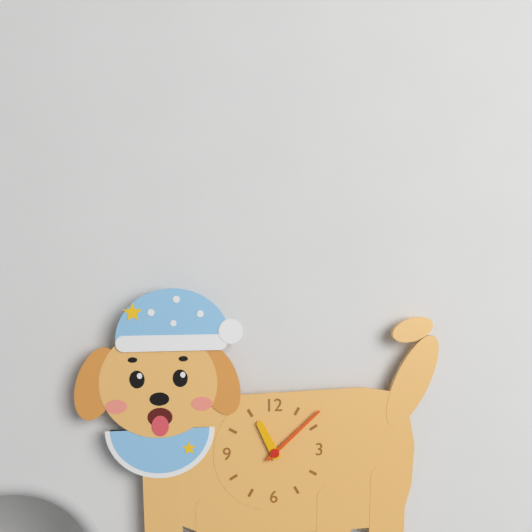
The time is 11h08
